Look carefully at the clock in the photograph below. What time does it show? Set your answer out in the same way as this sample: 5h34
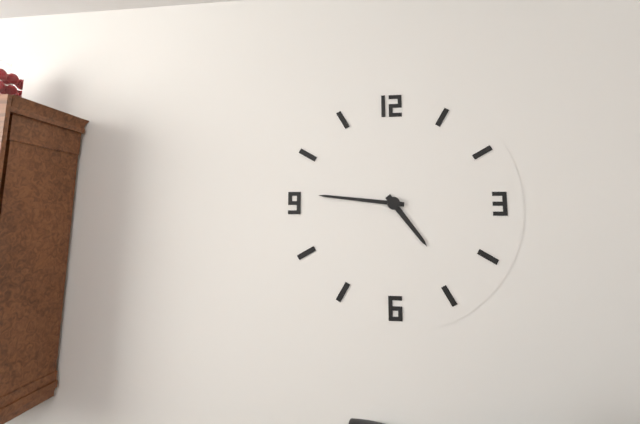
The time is 4h46
